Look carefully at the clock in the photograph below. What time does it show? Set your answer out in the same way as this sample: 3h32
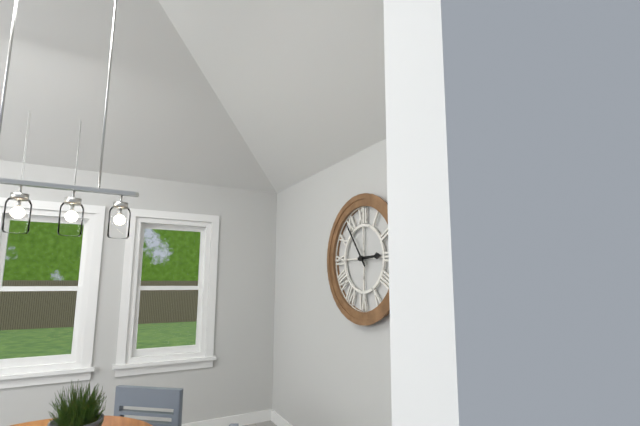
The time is 2h54
